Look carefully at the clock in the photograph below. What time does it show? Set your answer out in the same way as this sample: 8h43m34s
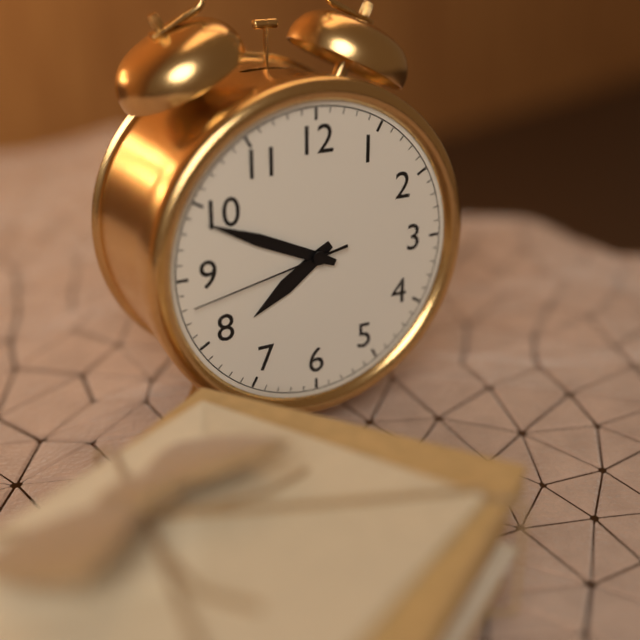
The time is 7h49m43s
